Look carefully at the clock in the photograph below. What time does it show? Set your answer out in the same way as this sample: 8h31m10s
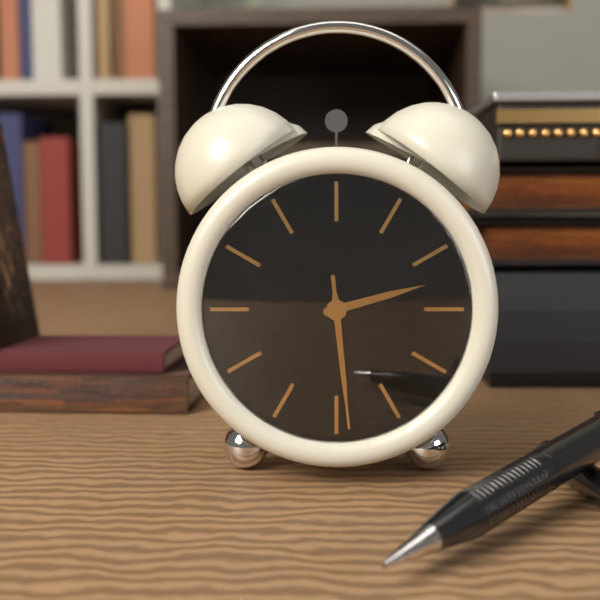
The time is 2h29m29s
